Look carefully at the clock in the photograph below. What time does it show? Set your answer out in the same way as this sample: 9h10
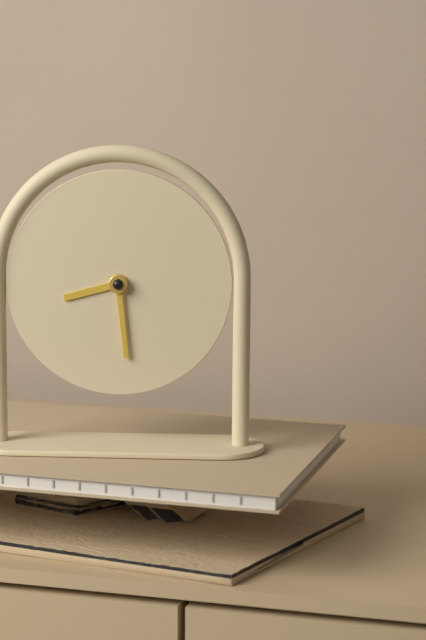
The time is 8h29
